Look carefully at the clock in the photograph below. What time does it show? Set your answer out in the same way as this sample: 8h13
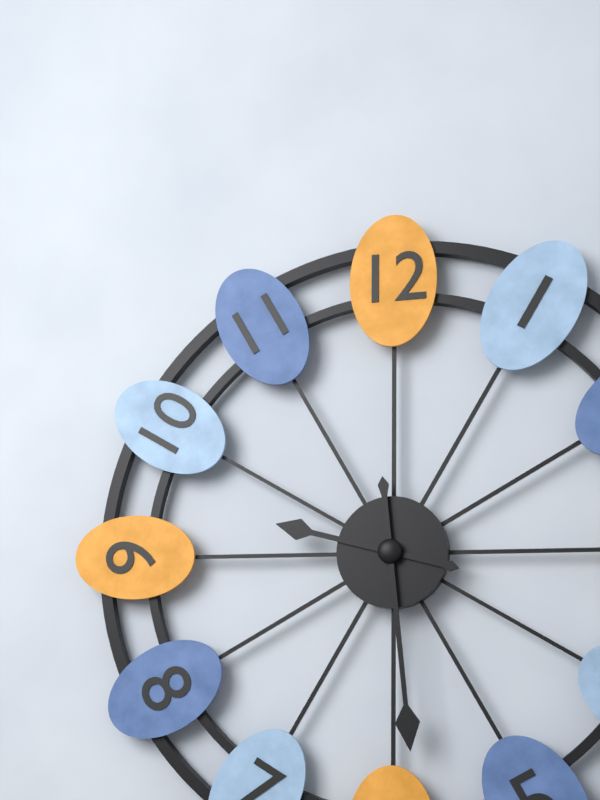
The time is 9h29
